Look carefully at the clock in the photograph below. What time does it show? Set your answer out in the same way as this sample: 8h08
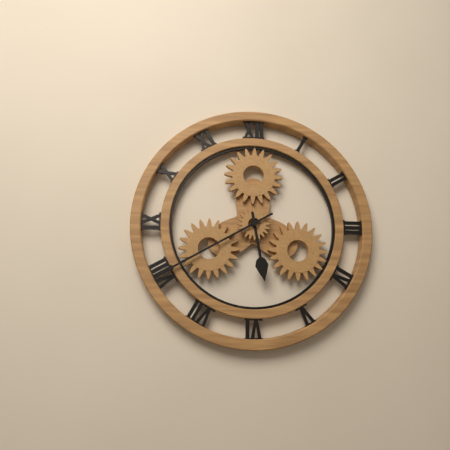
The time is 5h40
